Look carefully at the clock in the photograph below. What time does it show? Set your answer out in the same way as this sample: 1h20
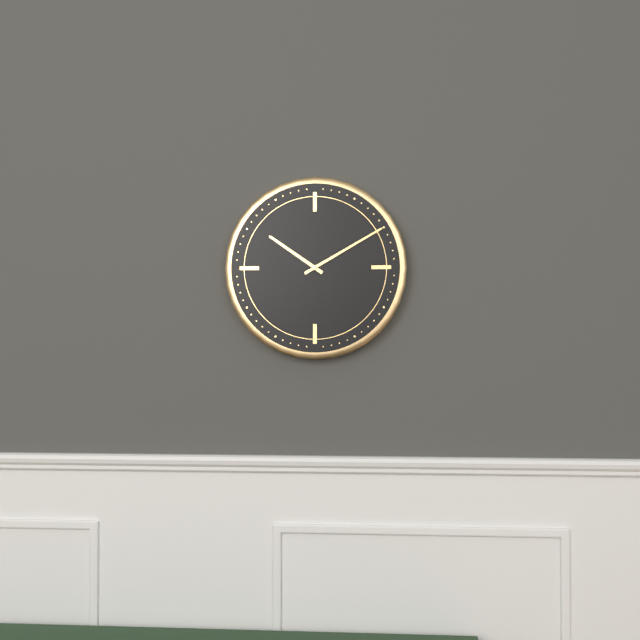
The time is 10h10
